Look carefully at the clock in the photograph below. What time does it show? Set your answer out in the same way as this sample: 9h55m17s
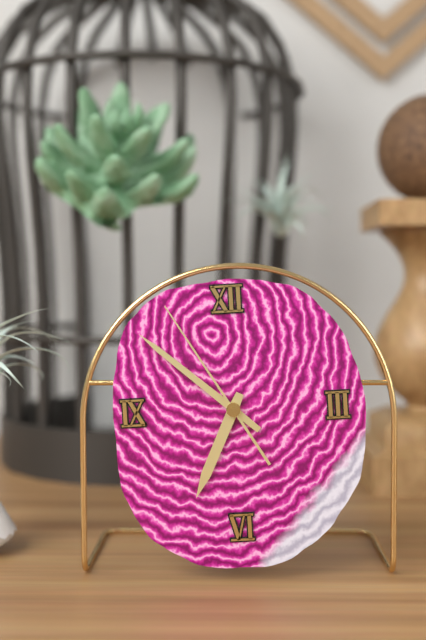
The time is 6h52m55s
